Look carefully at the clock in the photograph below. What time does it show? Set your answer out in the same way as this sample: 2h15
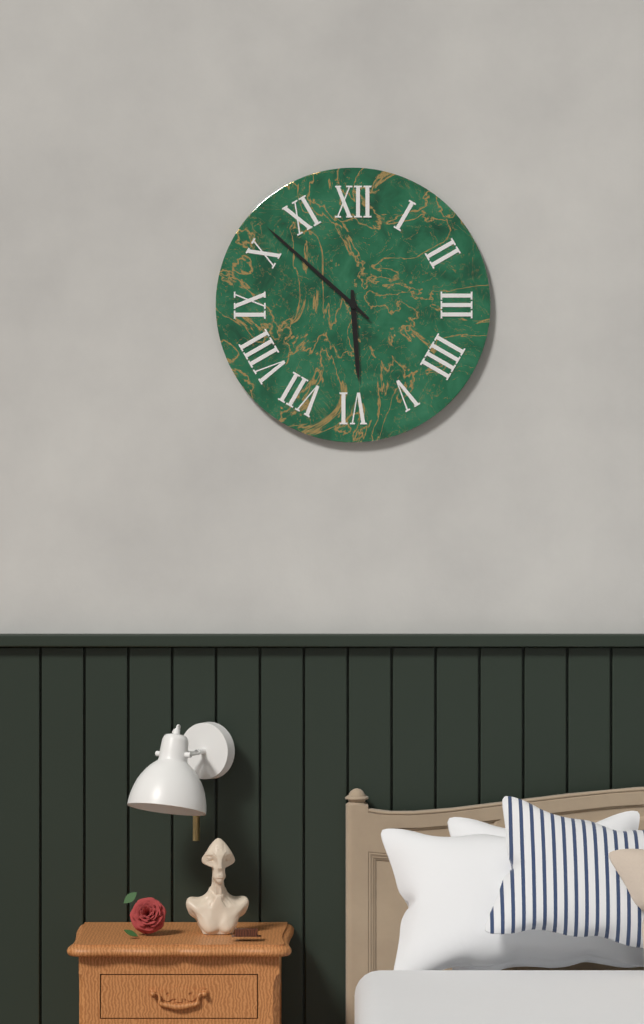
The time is 5h52
